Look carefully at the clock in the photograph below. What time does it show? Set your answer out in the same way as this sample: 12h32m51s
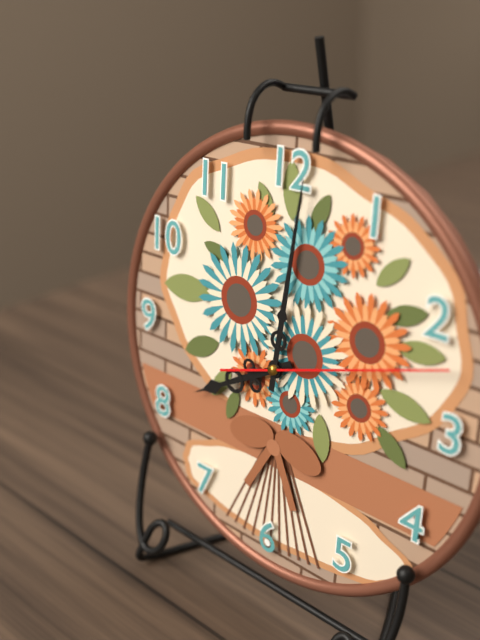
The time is 8h01m12s
